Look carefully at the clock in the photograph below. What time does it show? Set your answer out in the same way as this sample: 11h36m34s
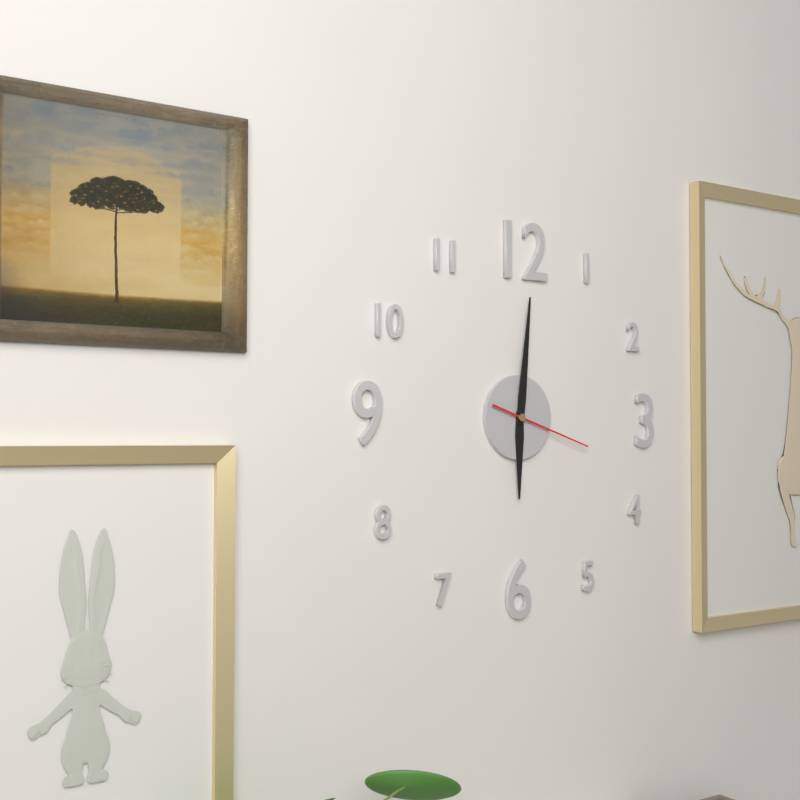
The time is 6h01m18s
